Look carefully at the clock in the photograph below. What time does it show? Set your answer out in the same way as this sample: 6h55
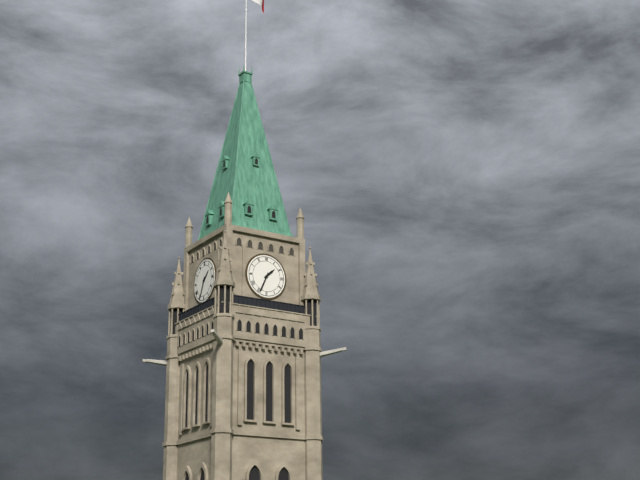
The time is 1h34
